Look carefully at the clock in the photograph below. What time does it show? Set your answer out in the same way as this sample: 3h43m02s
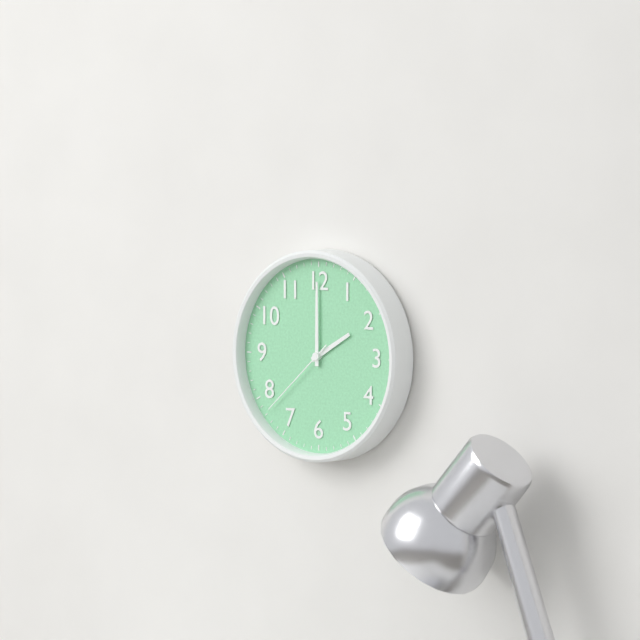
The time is 2h00m38s
